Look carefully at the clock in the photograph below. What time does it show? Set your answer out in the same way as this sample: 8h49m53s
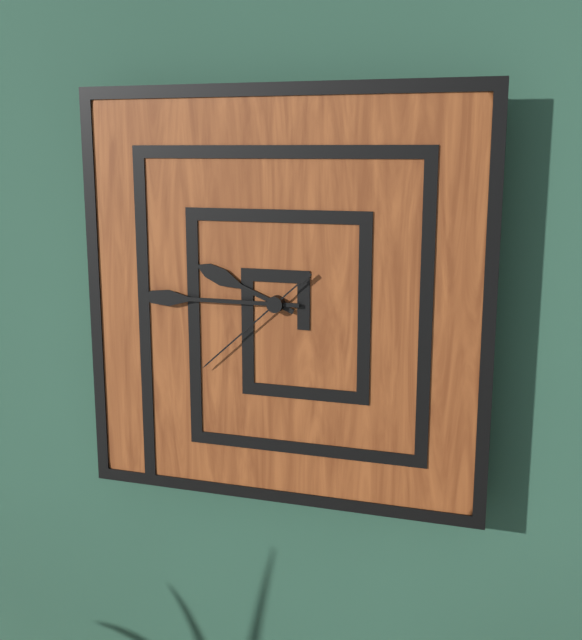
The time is 9h45m38s
